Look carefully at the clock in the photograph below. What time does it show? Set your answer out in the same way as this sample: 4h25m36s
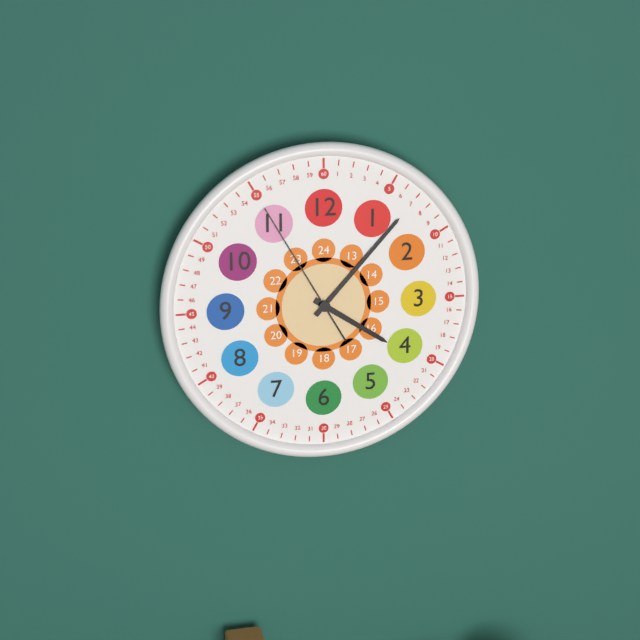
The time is 4h07m55s
